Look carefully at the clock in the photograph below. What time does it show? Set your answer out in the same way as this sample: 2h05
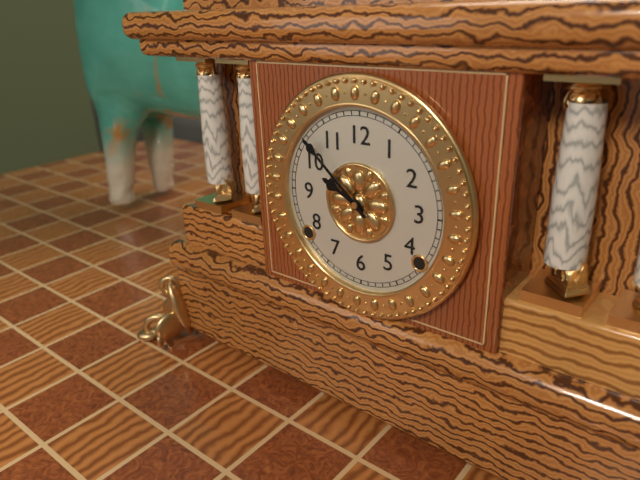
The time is 9h52
